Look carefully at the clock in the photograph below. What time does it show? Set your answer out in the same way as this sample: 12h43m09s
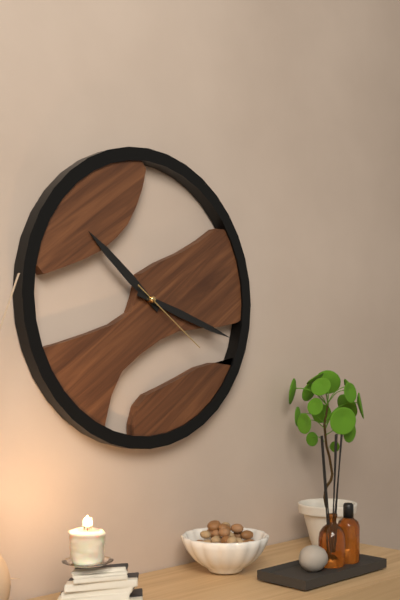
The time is 10h18m21s
